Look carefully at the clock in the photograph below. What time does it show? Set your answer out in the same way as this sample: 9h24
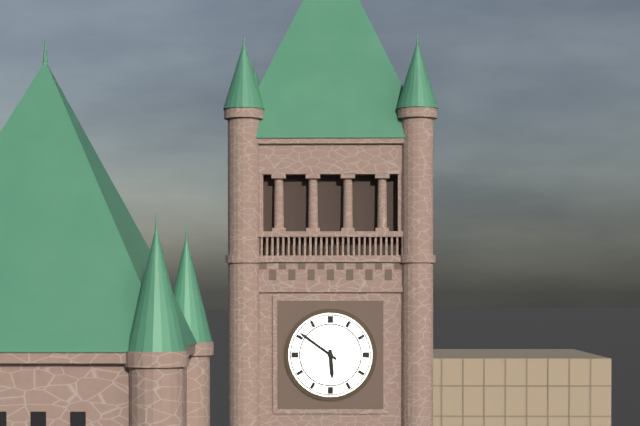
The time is 5h51
